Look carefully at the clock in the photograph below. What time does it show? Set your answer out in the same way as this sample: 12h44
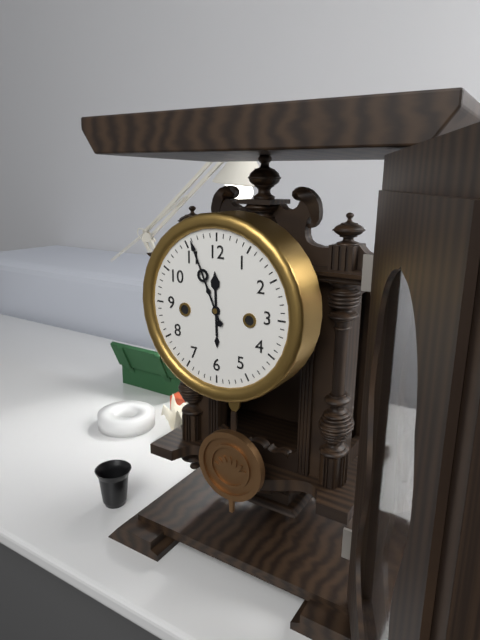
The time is 11h56
